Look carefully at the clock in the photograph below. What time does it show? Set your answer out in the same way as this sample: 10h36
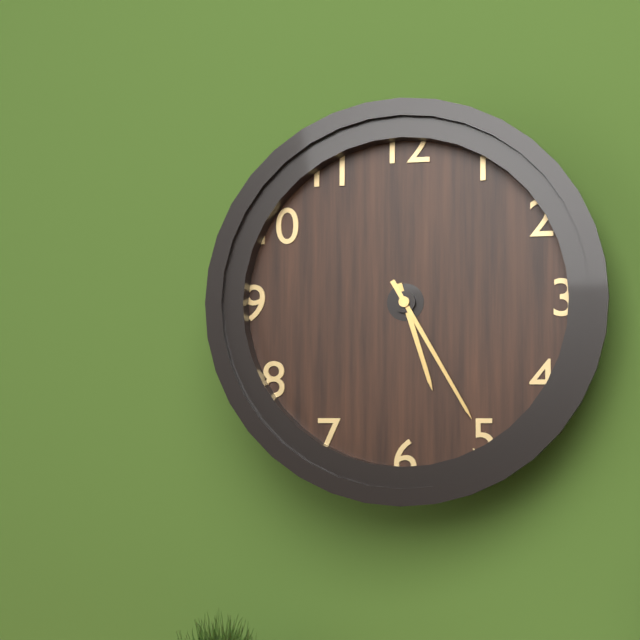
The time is 5h25
